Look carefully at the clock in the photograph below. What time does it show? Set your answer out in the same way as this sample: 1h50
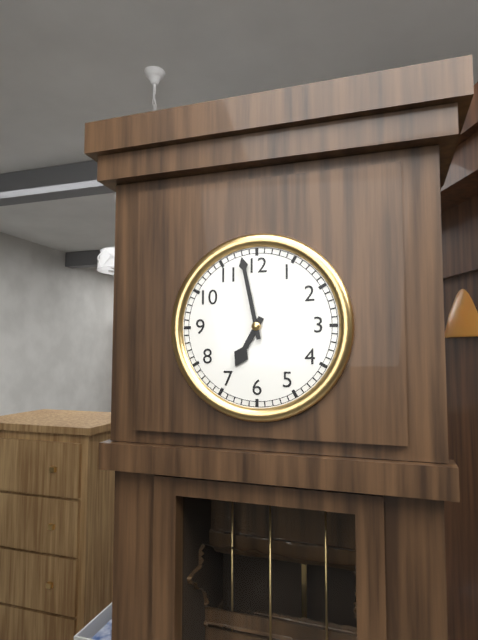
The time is 6h58
